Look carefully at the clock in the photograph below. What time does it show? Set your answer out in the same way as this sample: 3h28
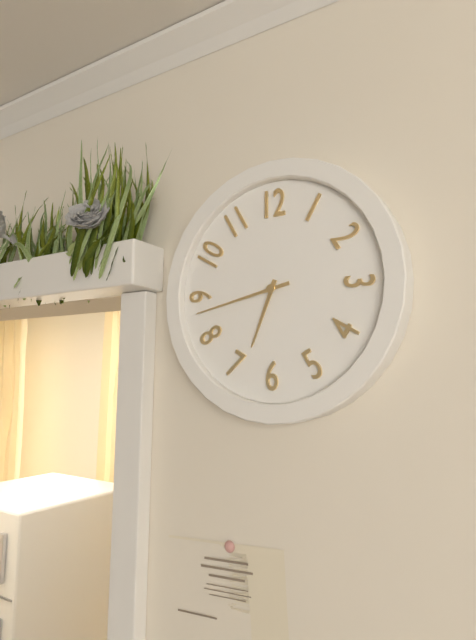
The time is 6h43
